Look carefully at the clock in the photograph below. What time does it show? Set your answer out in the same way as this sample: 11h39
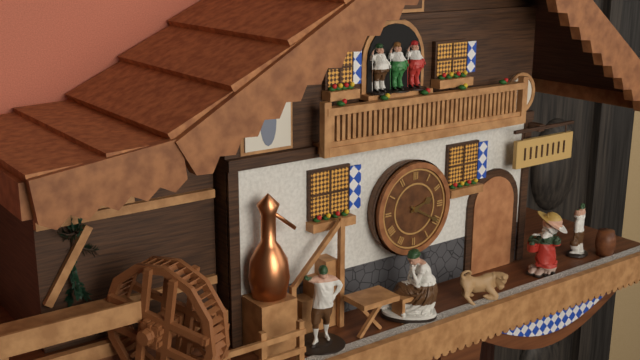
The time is 2h20
